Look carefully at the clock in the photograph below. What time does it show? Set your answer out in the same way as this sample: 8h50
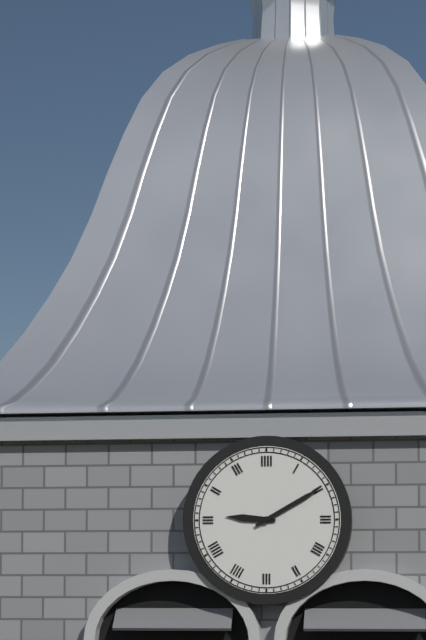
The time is 9h10
